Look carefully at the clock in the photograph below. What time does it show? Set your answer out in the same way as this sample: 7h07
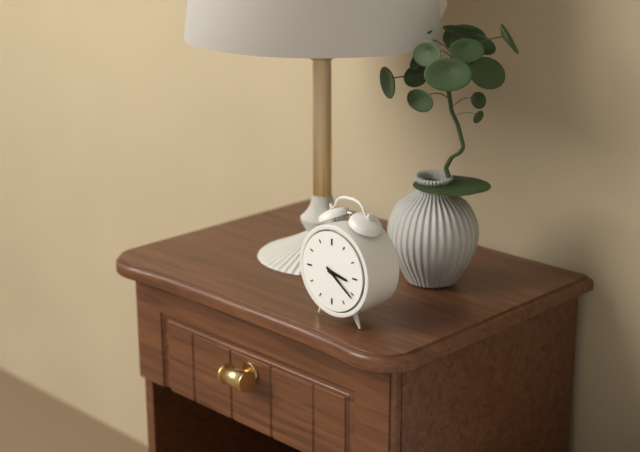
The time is 3h21
